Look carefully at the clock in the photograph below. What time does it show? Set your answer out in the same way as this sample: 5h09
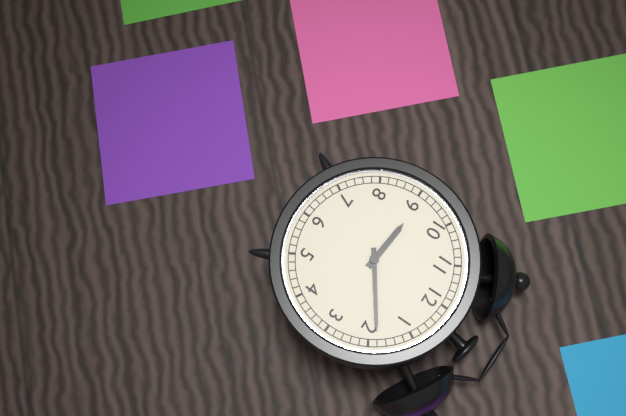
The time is 9h09
